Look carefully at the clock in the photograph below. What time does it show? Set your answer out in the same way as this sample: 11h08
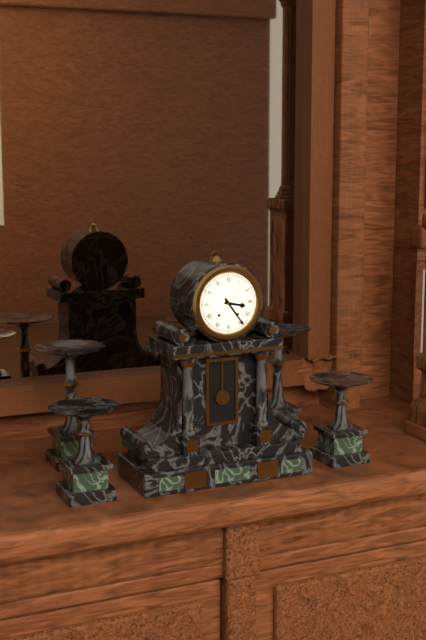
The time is 3h24
